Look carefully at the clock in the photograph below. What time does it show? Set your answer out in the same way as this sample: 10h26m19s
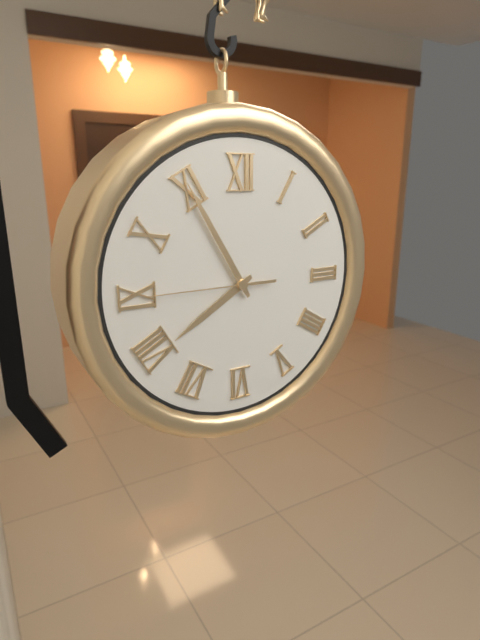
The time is 7h55m45s
